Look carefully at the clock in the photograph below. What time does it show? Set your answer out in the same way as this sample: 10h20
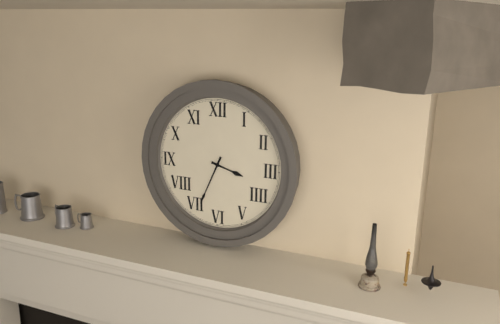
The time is 3h34
